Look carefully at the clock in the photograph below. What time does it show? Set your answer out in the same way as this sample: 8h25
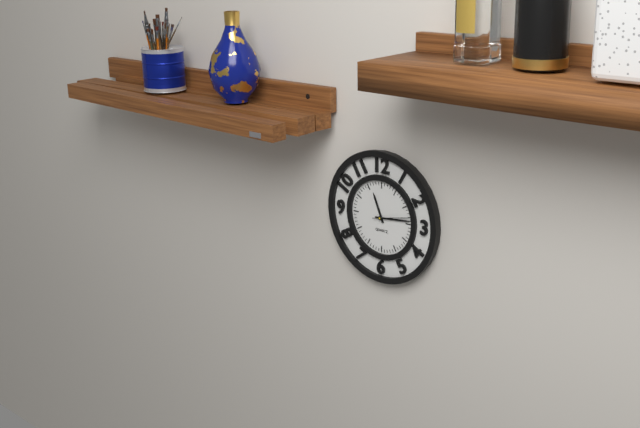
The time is 11h14
